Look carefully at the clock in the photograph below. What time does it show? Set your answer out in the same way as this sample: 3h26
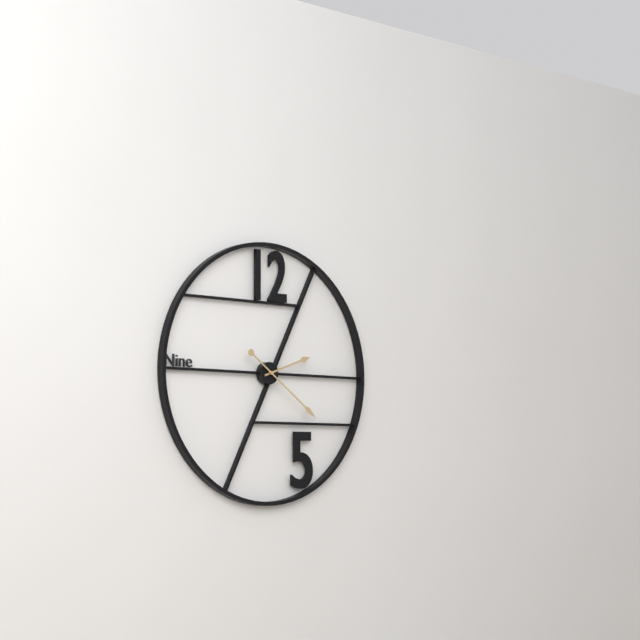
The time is 2h21
